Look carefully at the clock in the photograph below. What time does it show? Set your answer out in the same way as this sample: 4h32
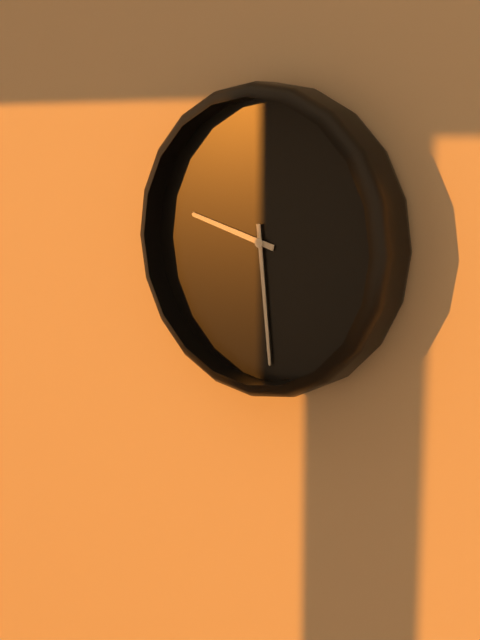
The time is 9h29
